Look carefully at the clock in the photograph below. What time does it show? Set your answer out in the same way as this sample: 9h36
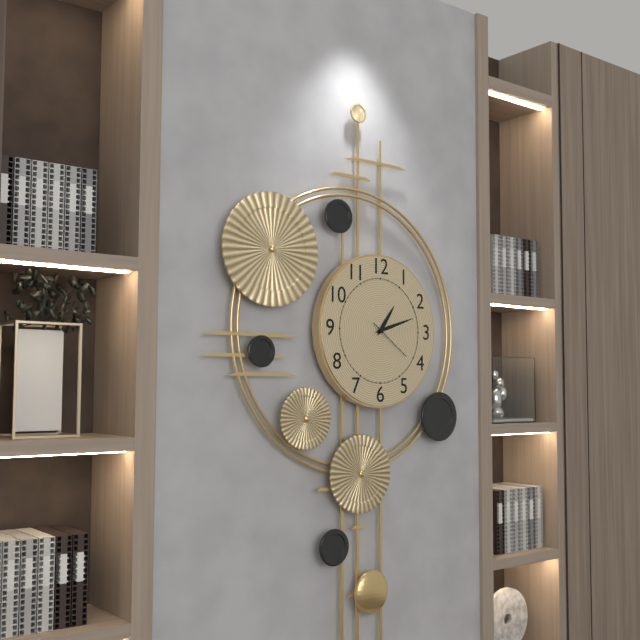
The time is 1h12
